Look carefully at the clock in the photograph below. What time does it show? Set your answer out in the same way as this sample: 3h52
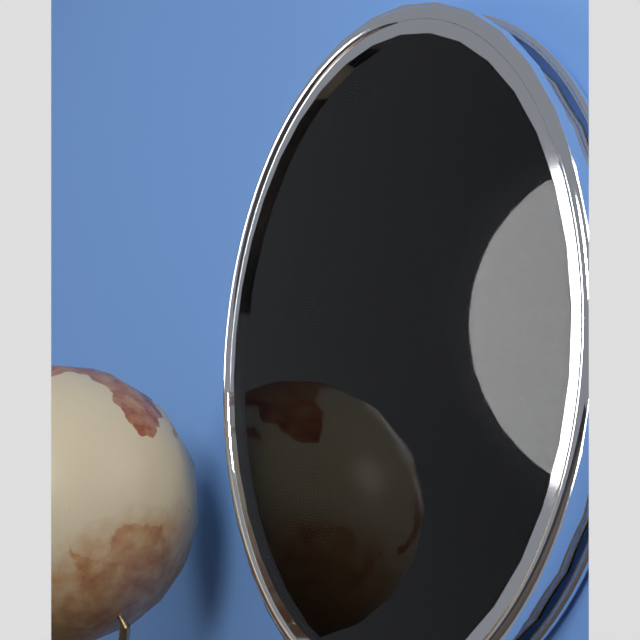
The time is 12h37
